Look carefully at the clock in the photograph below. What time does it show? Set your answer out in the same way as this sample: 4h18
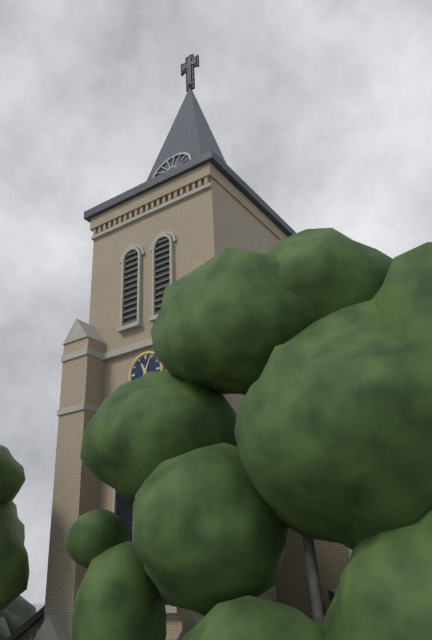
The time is 11h04
